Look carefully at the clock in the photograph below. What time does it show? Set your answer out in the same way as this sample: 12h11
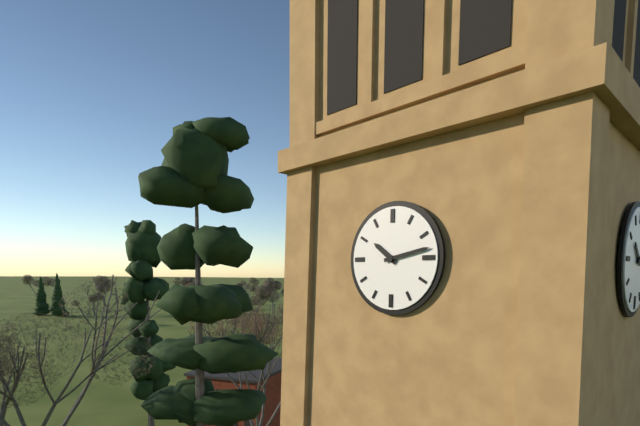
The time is 10h13
